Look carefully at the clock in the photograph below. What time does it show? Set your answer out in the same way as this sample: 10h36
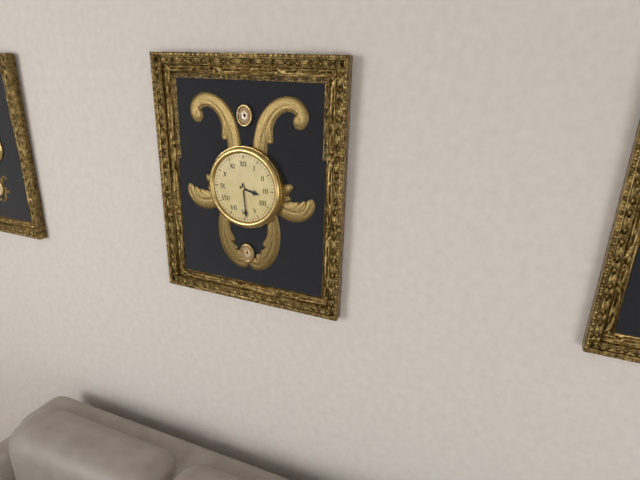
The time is 3h29
